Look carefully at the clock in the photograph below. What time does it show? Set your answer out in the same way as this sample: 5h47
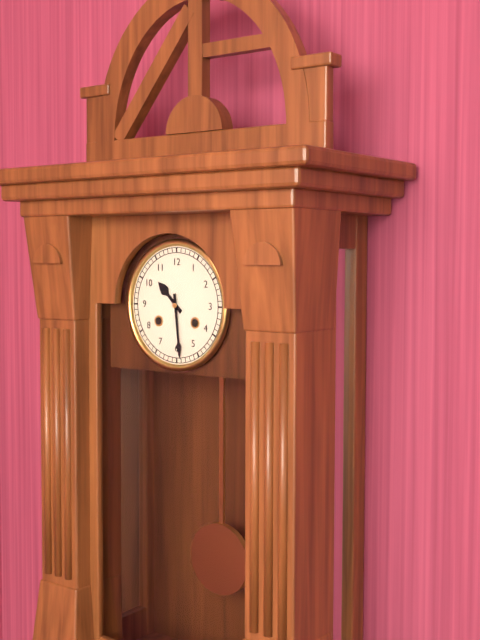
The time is 10h29
